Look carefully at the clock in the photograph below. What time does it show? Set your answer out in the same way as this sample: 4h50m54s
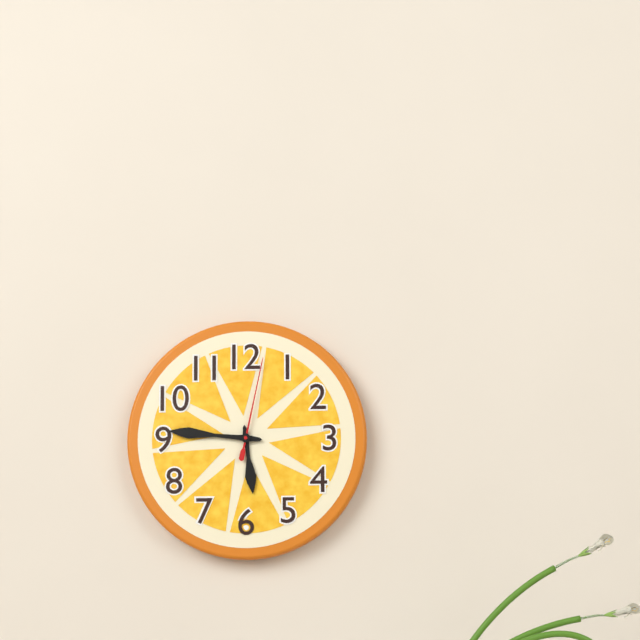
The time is 5h46m02s
